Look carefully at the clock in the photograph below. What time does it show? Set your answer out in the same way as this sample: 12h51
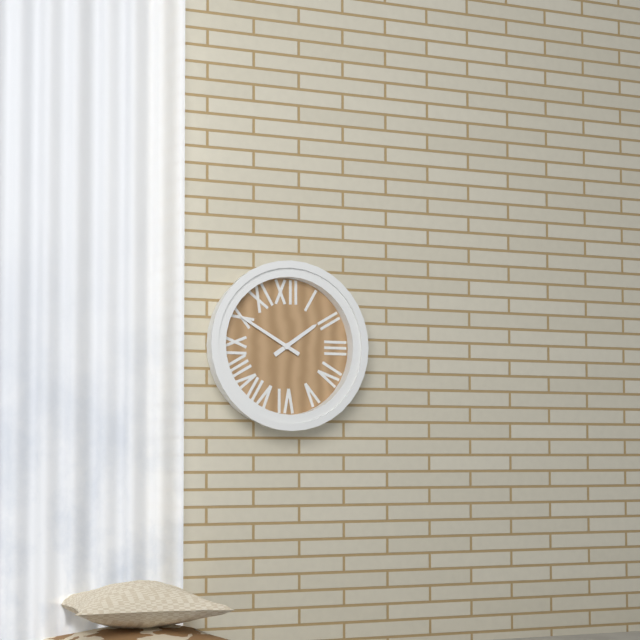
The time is 1h50
